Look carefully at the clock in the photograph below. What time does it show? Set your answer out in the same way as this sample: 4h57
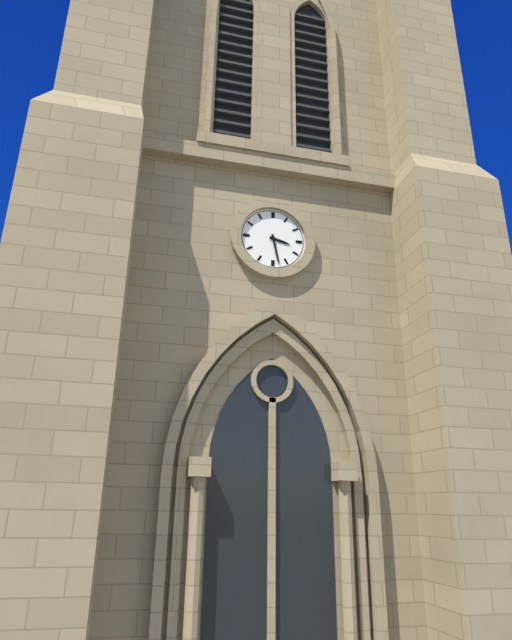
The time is 3h28
